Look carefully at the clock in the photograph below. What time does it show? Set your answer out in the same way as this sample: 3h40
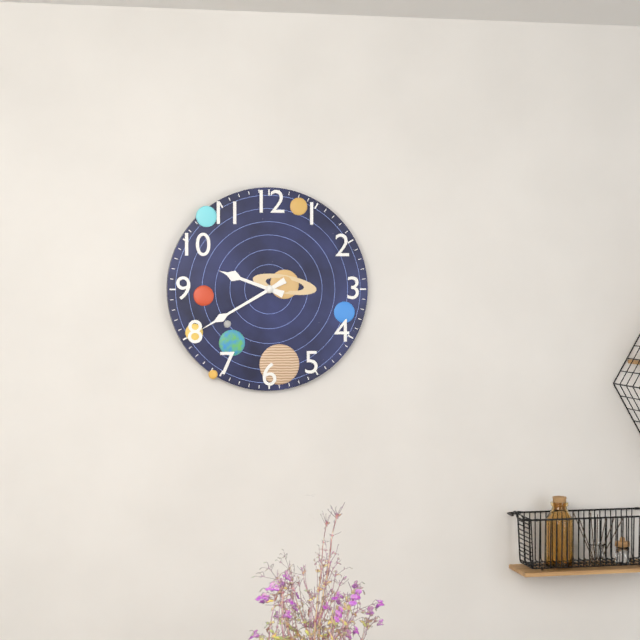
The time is 9h40
